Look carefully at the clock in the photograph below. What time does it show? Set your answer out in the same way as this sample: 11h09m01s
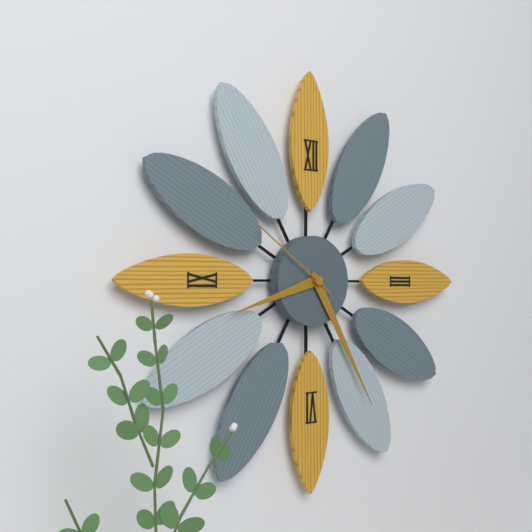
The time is 8h25m51s
